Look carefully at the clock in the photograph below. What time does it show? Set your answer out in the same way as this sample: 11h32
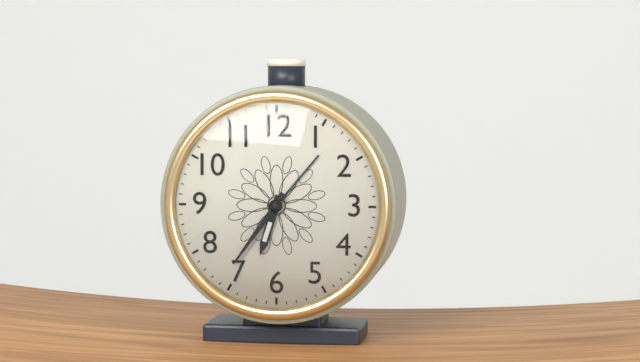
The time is 6h36
